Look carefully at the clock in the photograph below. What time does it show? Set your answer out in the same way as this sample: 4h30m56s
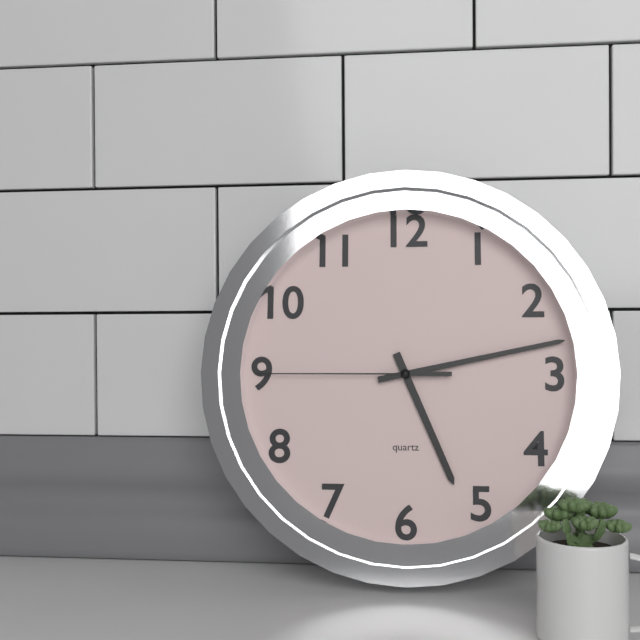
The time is 5h13m45s
